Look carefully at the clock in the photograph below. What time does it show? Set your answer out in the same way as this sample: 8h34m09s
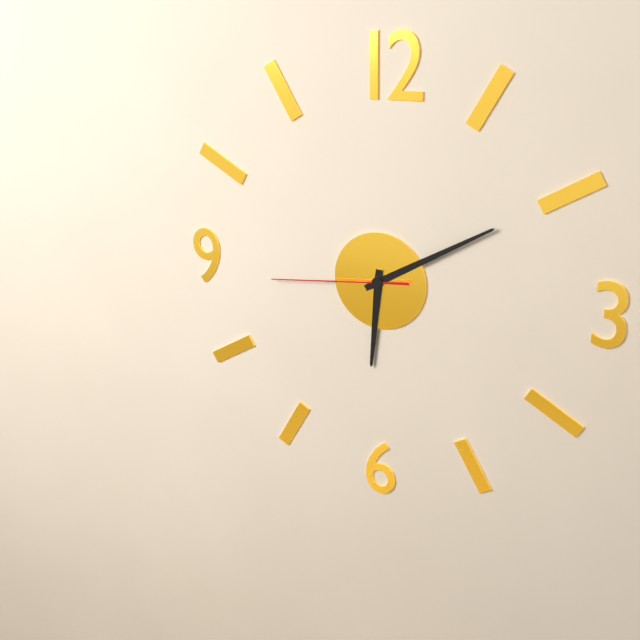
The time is 6h10m44s
